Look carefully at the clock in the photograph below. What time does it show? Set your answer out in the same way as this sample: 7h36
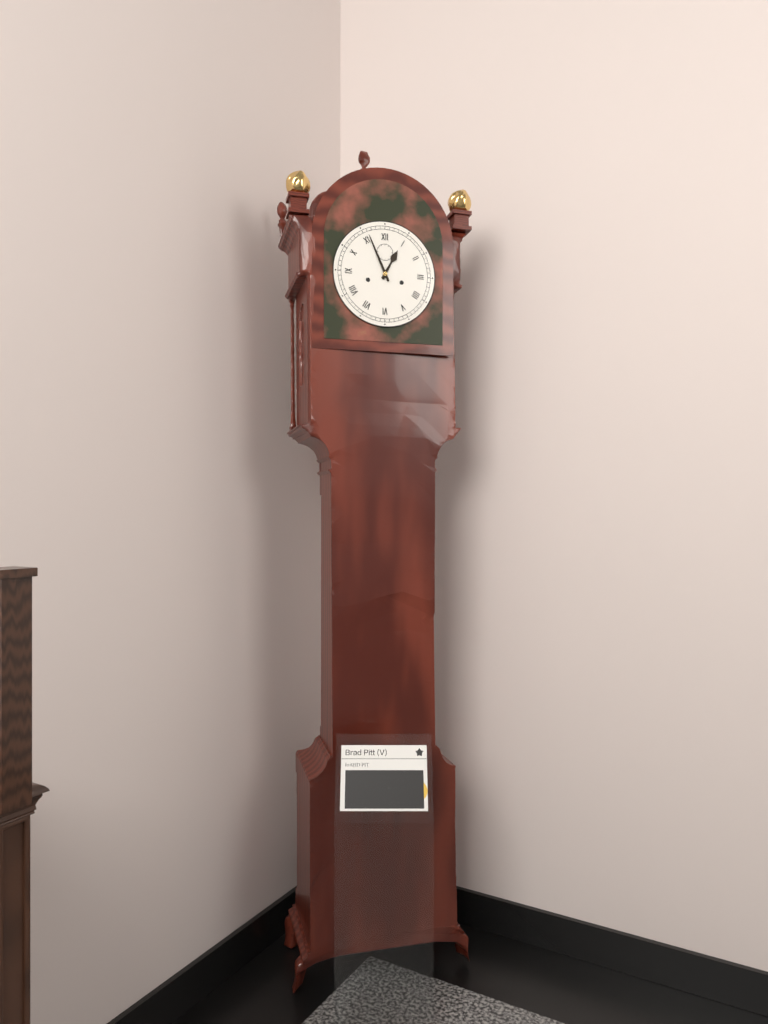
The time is 12h56
